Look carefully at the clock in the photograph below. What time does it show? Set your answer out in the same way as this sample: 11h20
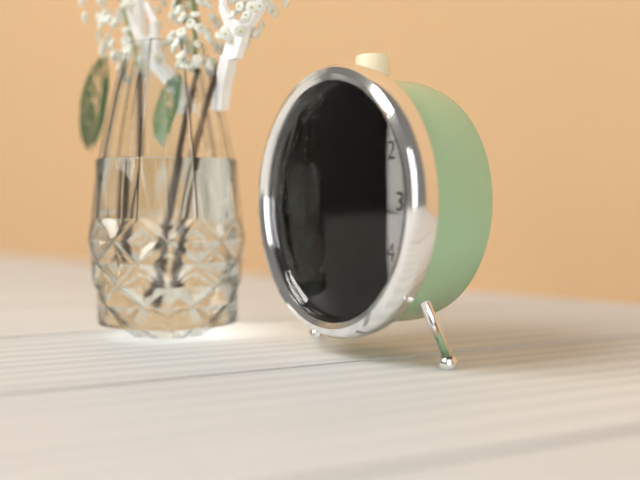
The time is 1h16
